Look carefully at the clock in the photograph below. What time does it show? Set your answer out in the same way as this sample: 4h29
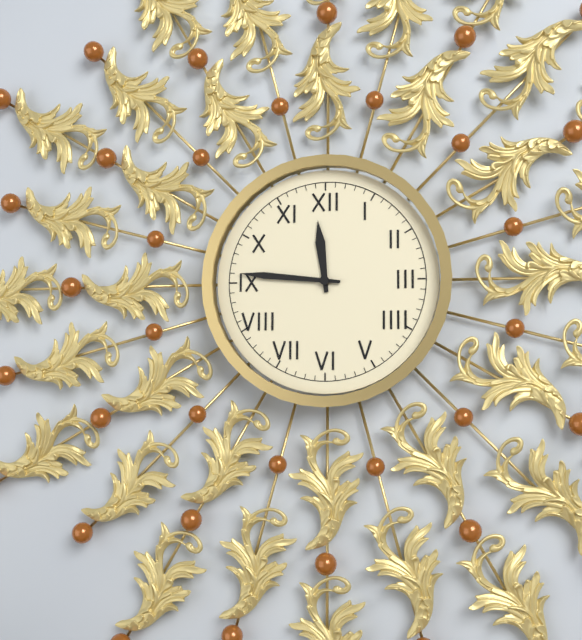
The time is 11h46
